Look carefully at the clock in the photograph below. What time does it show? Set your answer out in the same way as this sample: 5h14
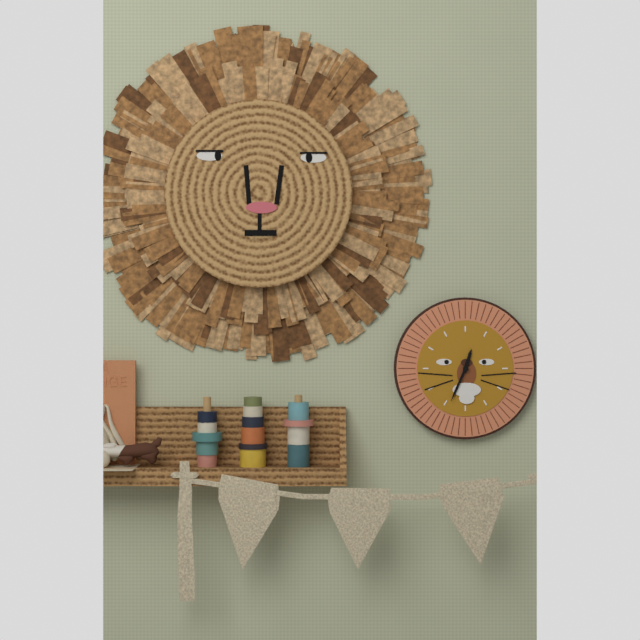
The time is 12h34
